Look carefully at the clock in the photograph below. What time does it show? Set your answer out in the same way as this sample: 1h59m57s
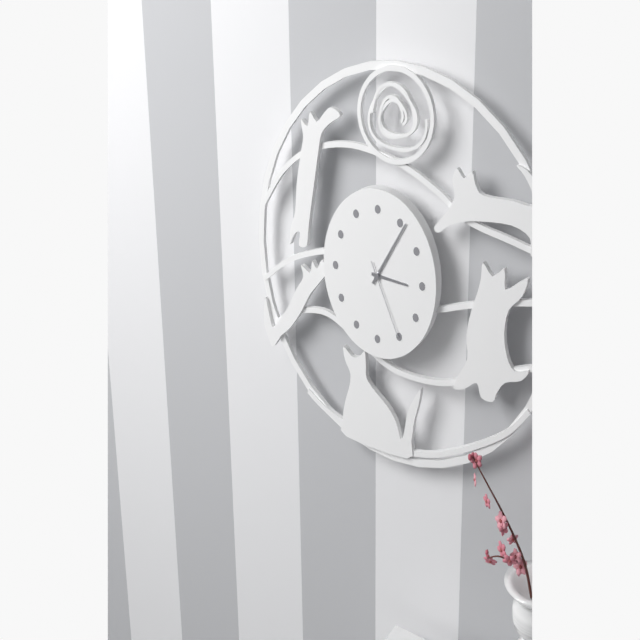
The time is 3h06m25s
